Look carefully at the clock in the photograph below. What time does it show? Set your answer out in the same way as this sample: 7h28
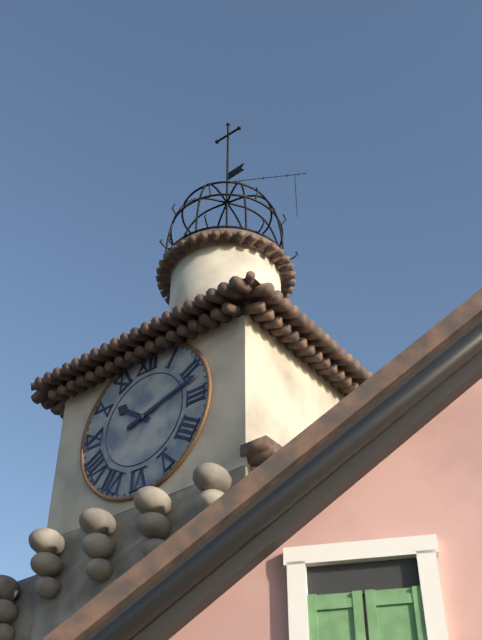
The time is 10h12
